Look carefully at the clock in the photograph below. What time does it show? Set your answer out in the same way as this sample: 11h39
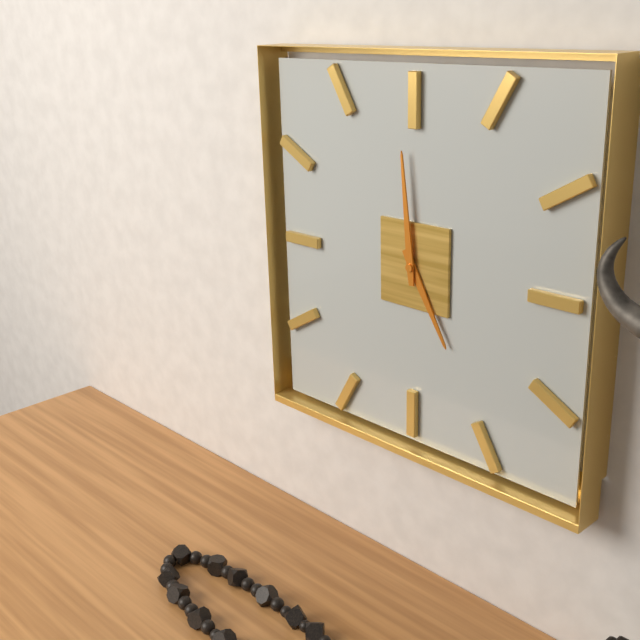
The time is 4h59
